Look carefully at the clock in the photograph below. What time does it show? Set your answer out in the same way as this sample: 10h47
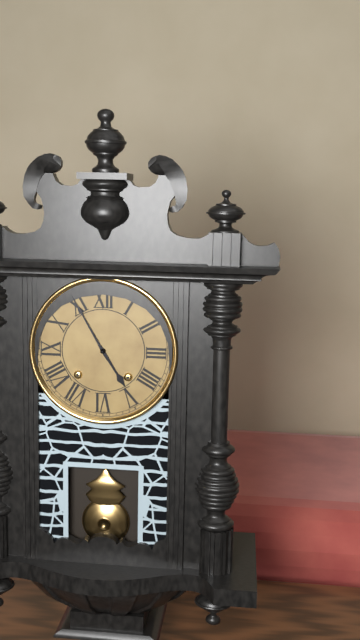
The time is 4h55
